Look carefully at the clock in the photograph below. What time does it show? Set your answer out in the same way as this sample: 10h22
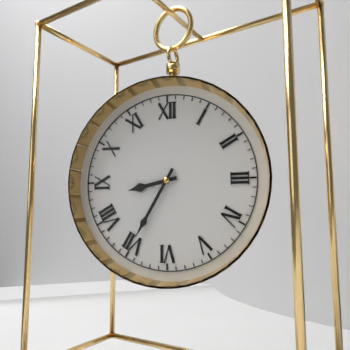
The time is 8h35
